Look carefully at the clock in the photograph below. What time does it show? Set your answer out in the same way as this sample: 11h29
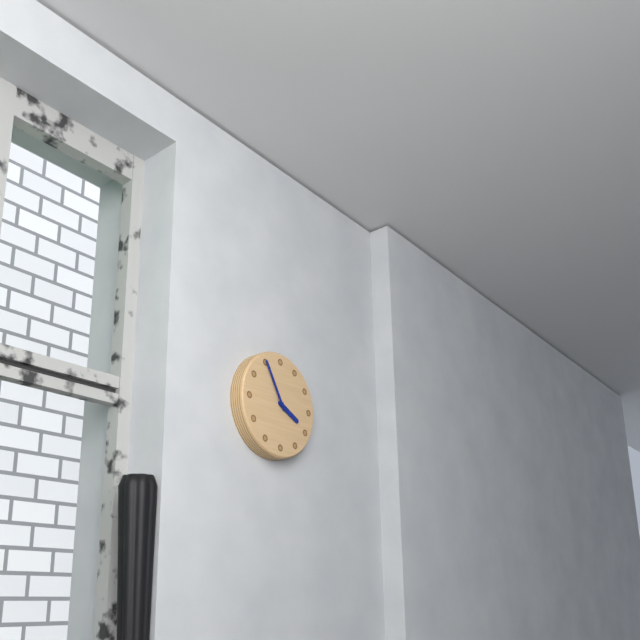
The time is 3h55
